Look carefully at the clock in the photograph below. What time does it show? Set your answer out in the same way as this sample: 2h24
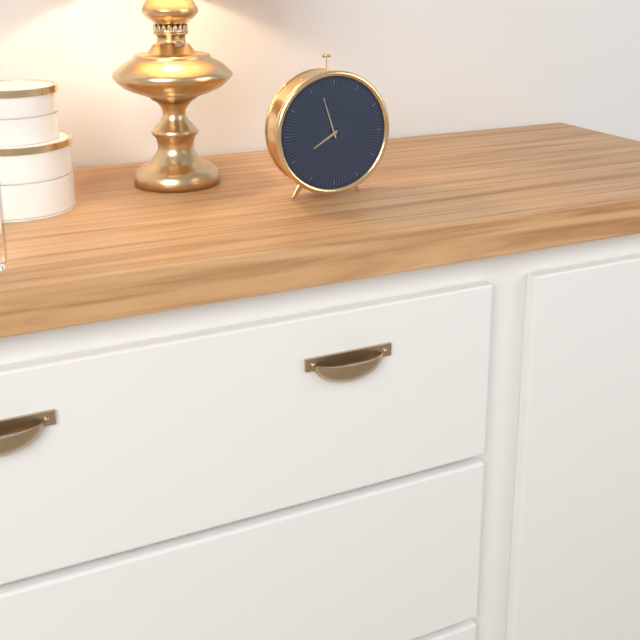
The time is 7h57
